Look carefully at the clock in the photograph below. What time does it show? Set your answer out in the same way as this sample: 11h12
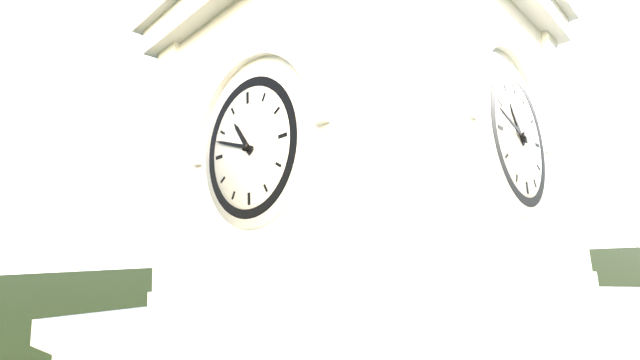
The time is 10h48
